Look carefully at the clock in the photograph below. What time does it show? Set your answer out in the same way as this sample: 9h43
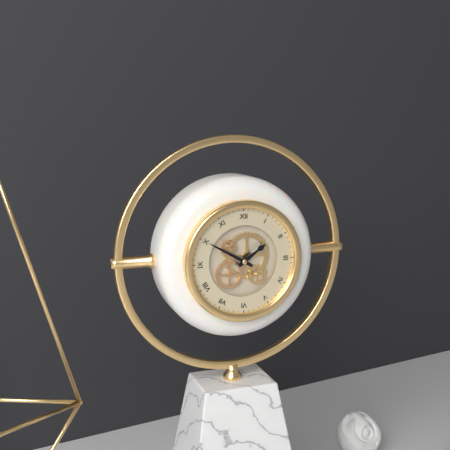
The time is 1h50
